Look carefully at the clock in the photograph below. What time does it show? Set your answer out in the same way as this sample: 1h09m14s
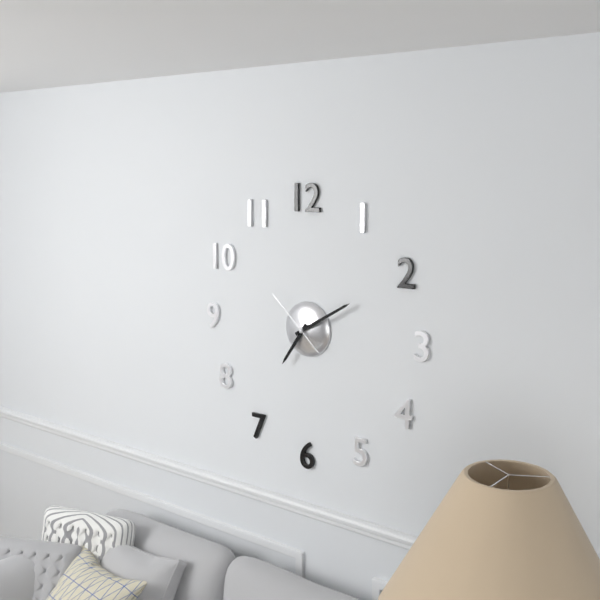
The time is 7h10m52s
